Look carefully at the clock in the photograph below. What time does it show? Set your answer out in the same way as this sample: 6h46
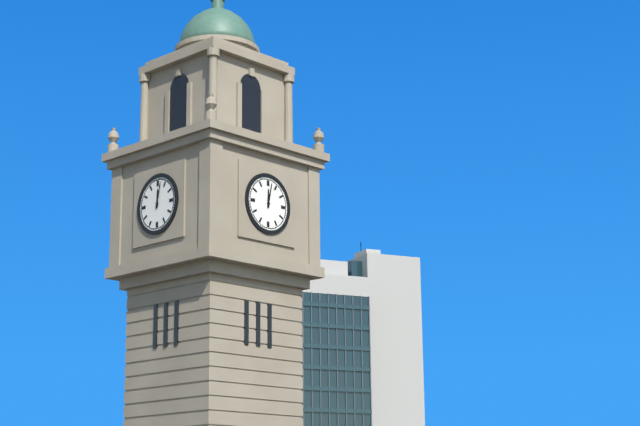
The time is 12h02
